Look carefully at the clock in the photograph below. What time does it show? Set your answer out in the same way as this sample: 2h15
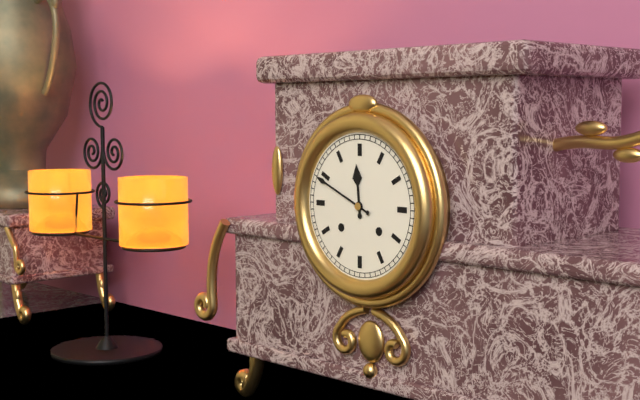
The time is 11h49
